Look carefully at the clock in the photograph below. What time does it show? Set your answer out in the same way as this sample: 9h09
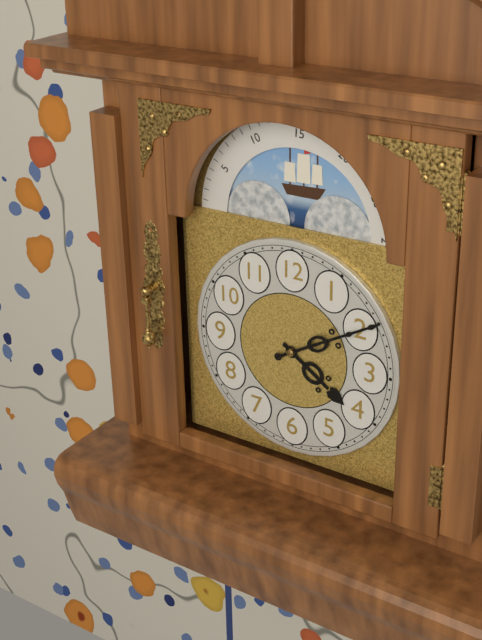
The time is 4h10
